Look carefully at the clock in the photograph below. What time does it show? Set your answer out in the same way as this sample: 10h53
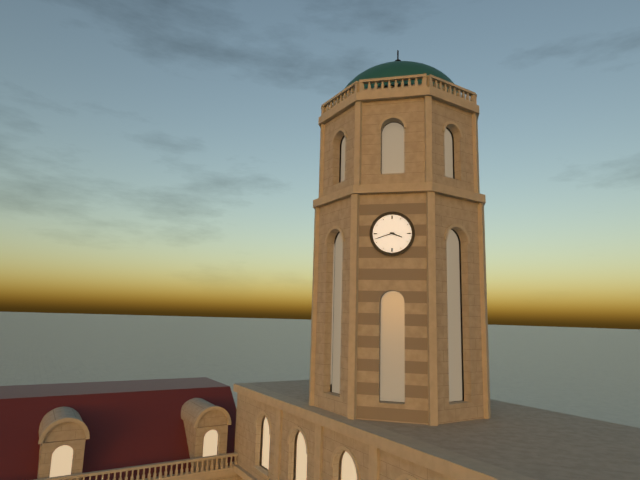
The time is 3h42
